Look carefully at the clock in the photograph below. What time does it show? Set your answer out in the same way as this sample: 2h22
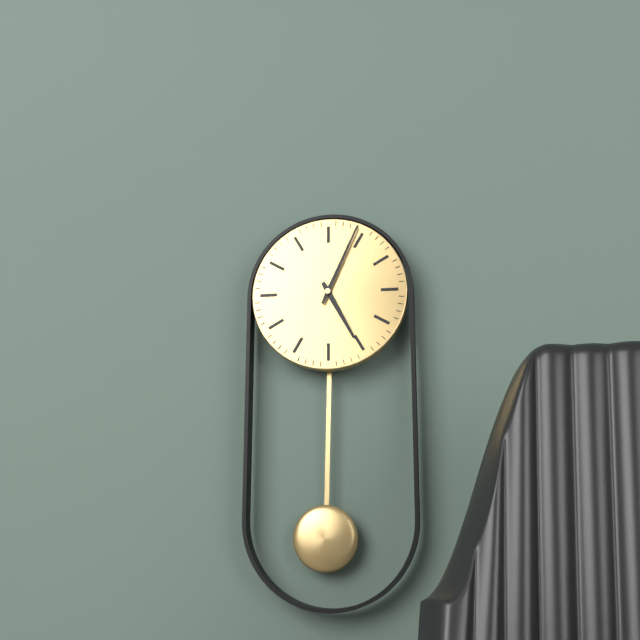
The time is 5h04
